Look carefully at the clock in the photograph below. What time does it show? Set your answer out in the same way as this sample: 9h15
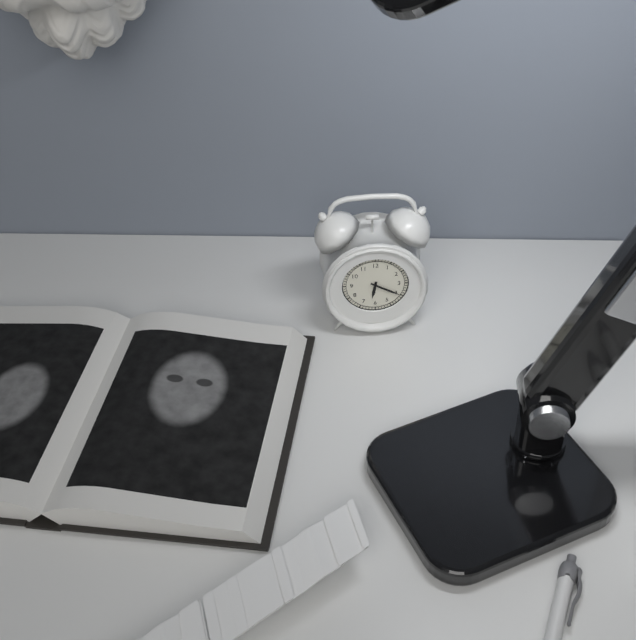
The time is 6h20
